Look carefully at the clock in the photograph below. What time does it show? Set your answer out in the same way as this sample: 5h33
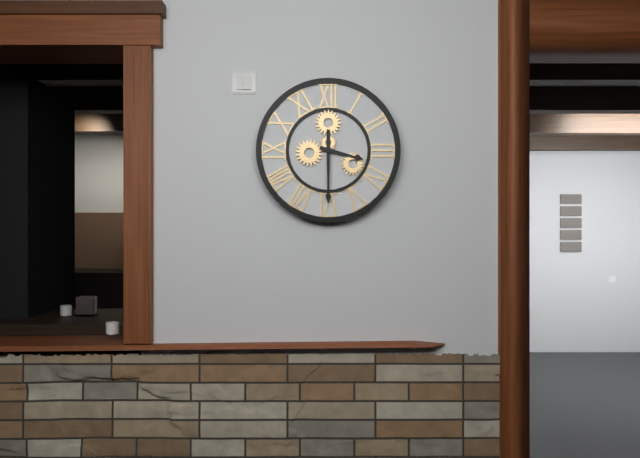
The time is 3h30
